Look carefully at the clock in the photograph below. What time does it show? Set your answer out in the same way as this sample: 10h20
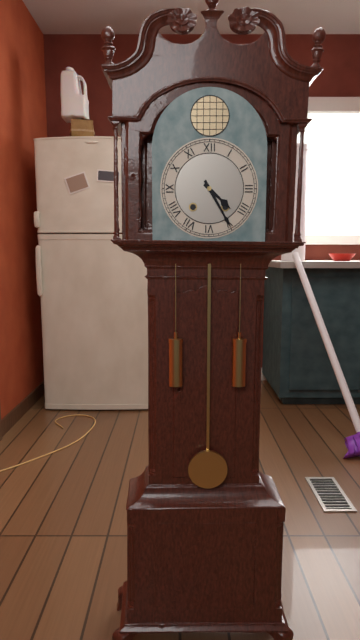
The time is 4h25
